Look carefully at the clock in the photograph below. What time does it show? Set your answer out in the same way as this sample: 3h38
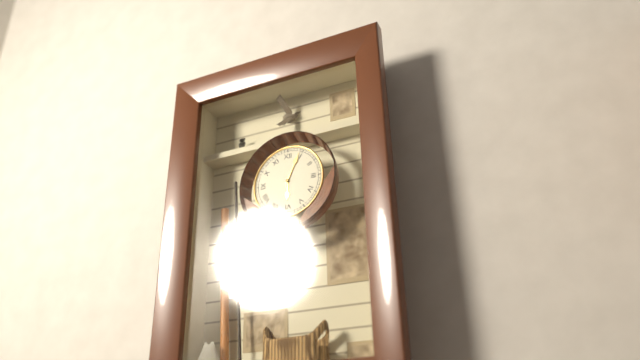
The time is 6h04
